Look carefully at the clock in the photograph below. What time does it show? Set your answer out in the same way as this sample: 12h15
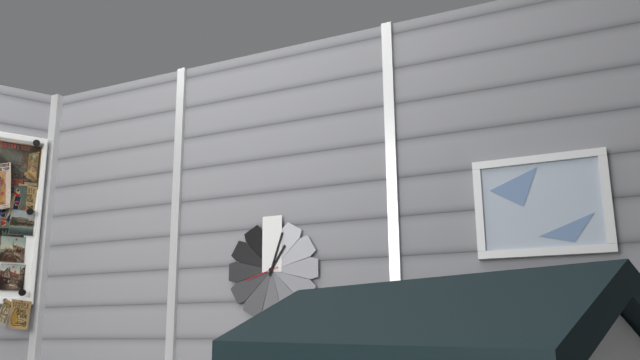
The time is 1h03
